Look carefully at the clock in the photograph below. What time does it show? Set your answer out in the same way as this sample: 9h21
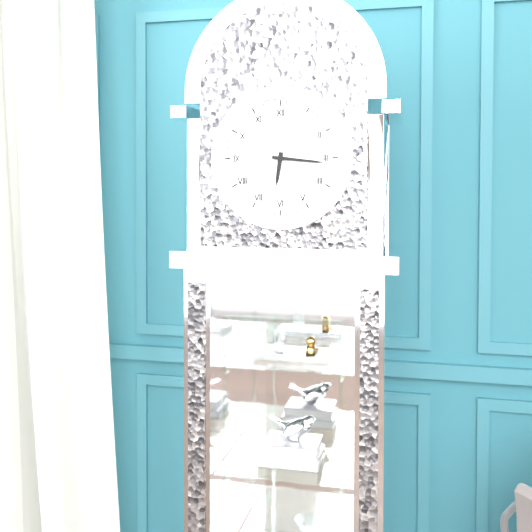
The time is 6h16
